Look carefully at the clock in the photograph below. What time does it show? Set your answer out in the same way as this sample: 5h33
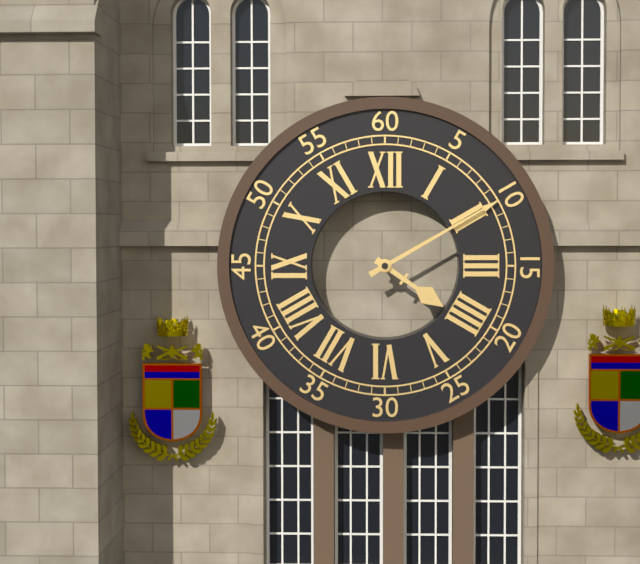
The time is 4h10
